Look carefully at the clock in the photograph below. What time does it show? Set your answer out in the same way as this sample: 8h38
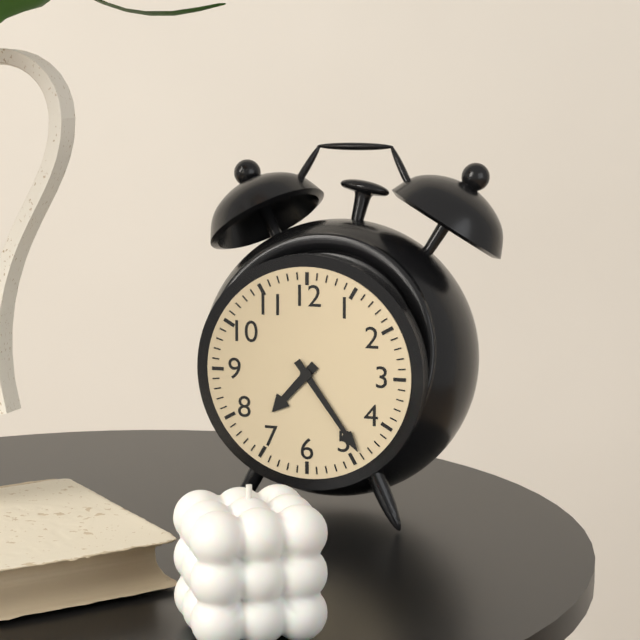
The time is 7h24
